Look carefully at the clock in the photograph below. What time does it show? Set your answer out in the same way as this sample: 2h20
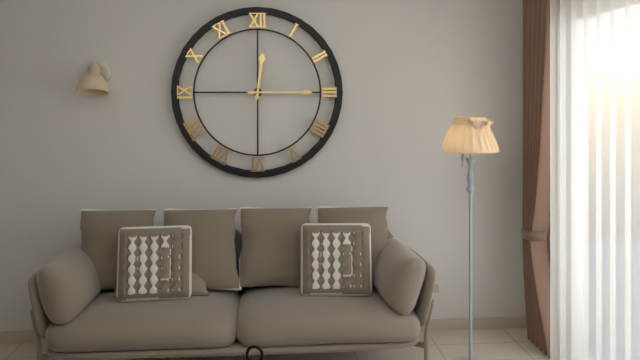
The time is 12h15
